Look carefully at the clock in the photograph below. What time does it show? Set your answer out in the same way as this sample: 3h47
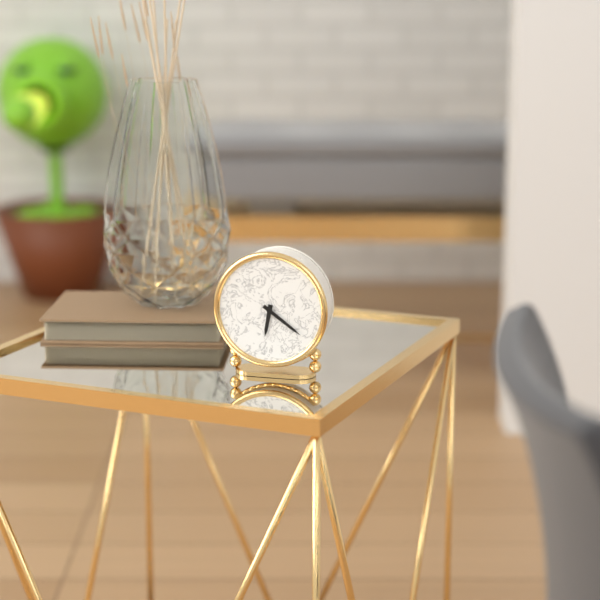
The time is 6h21
